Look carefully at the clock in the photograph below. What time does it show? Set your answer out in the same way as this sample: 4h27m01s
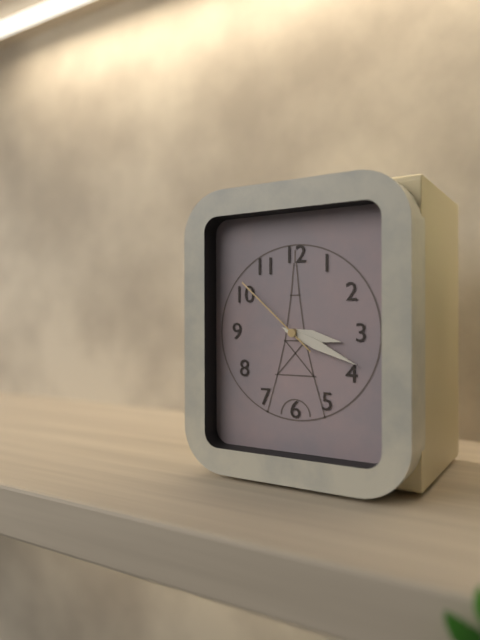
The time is 3h19m52s
